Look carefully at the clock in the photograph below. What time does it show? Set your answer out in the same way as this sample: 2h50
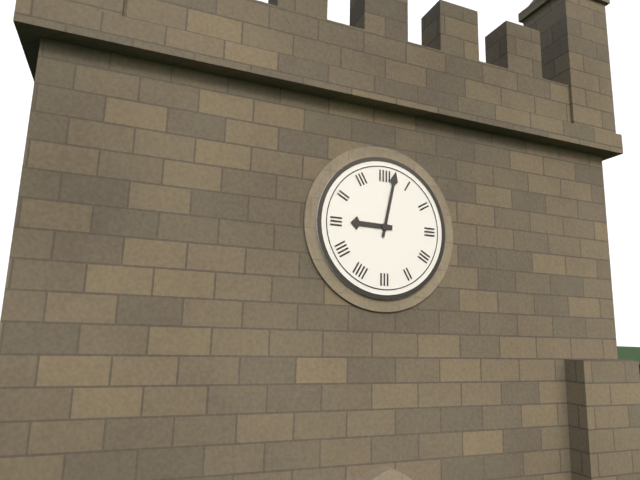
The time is 9h02
